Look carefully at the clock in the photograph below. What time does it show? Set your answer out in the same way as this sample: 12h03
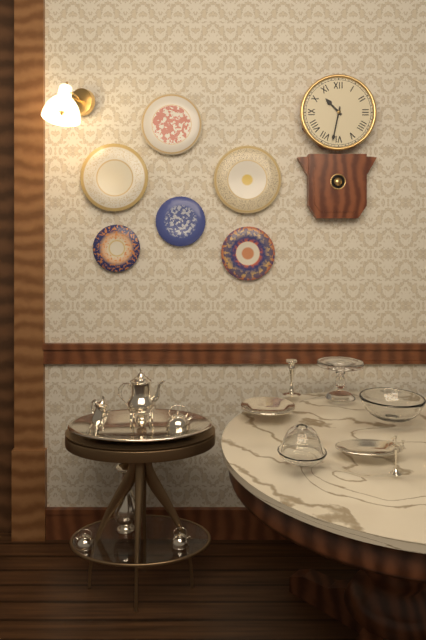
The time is 10h32
